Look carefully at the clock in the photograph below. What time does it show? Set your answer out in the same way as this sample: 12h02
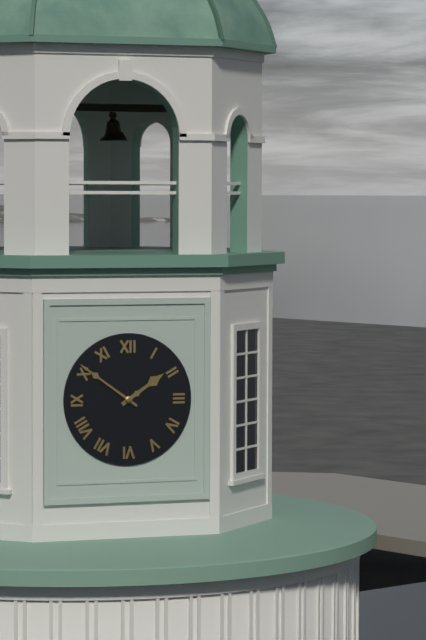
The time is 1h51
